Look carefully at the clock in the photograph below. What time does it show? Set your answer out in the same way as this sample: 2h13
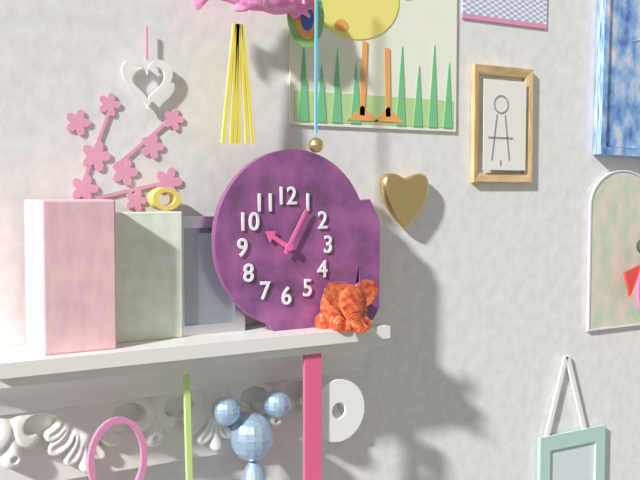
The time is 10h05
